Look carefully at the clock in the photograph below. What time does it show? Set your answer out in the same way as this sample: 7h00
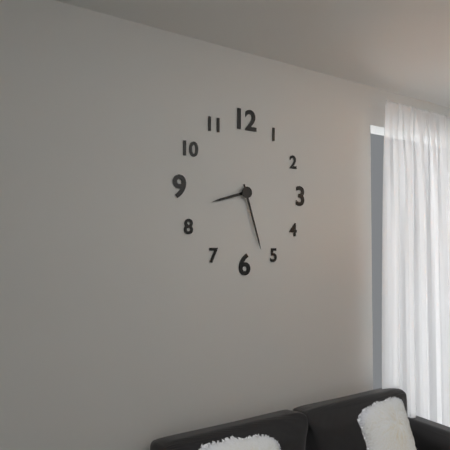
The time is 8h27
